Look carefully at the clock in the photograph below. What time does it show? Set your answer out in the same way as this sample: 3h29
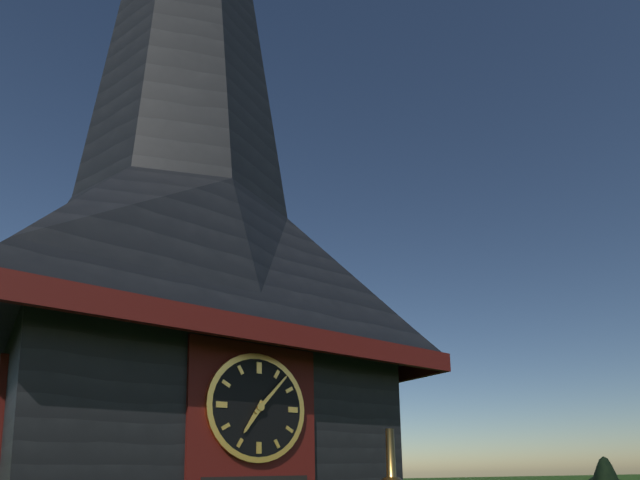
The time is 7h07
